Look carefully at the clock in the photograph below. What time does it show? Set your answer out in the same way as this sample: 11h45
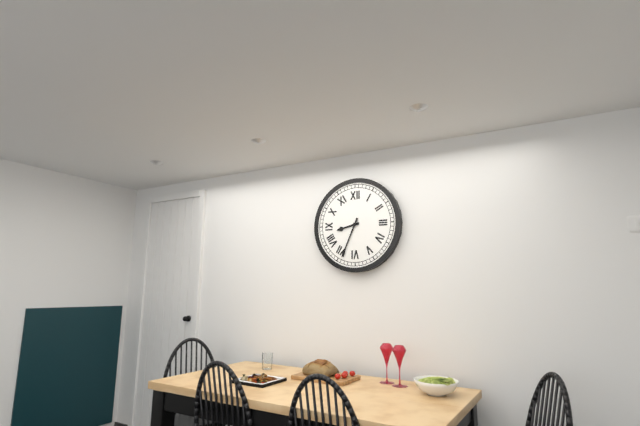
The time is 8h34
